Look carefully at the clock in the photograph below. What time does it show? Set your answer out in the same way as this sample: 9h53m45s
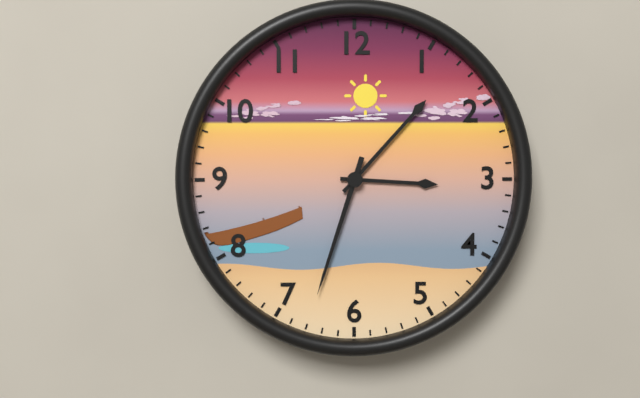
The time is 3h07m33s
